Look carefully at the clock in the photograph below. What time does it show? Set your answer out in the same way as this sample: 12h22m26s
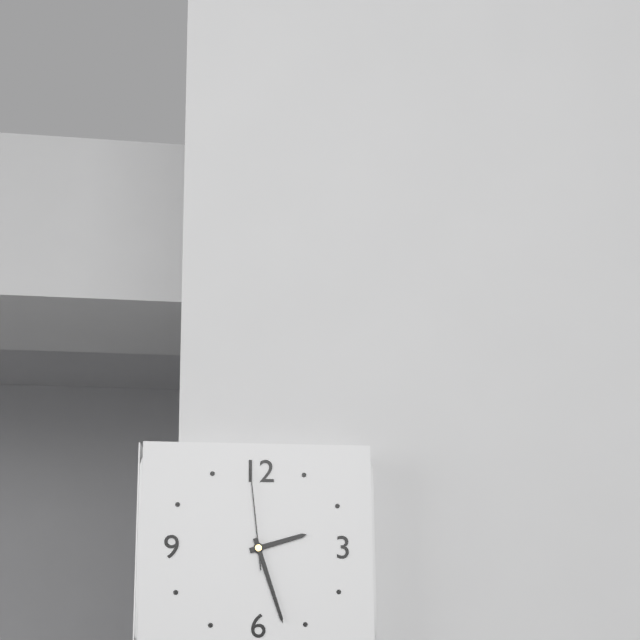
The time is 2h27m59s
